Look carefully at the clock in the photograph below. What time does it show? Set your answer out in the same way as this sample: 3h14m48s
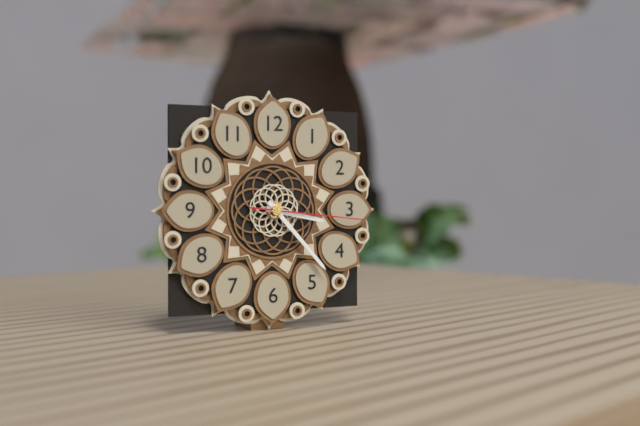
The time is 3h23m16s
